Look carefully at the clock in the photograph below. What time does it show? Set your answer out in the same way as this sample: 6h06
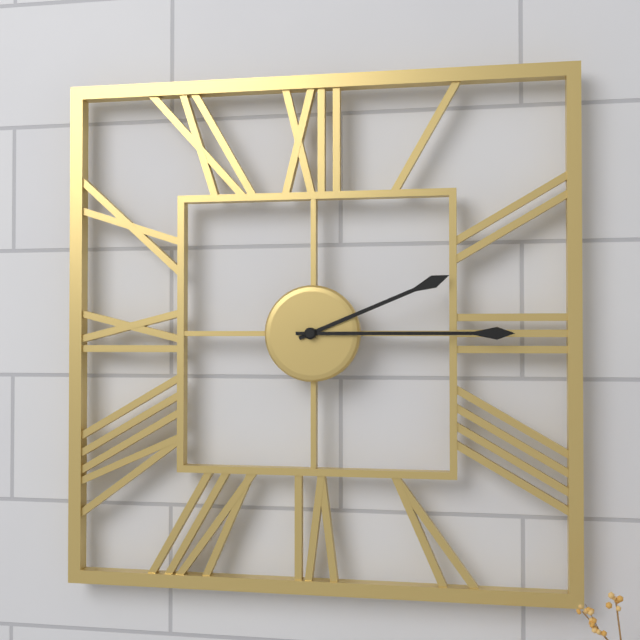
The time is 2h15
